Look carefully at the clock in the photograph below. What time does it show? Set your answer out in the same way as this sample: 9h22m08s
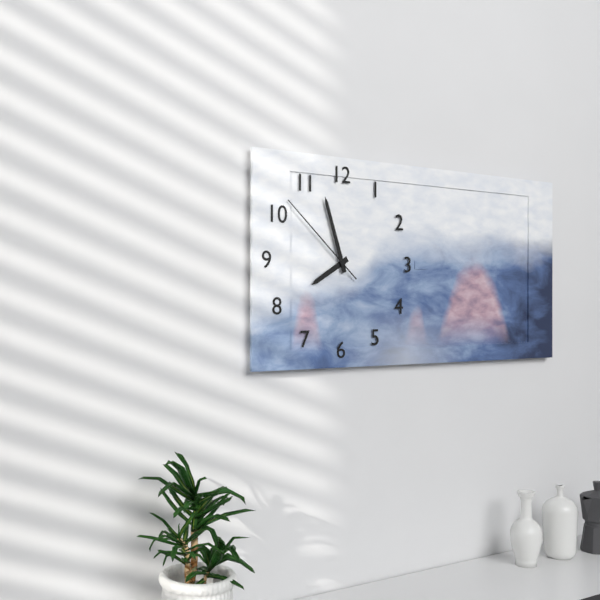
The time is 7h57m52s
